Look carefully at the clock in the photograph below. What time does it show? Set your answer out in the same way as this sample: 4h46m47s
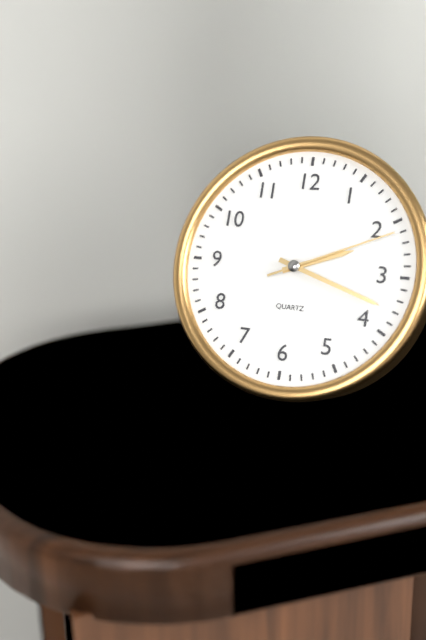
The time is 2h18m11s
